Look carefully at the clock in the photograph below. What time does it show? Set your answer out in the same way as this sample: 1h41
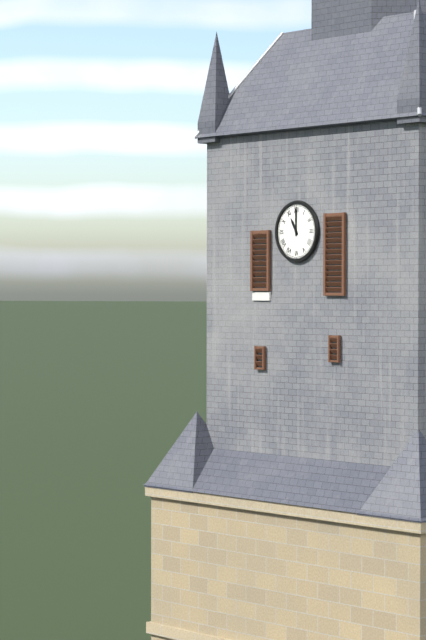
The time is 11h00
